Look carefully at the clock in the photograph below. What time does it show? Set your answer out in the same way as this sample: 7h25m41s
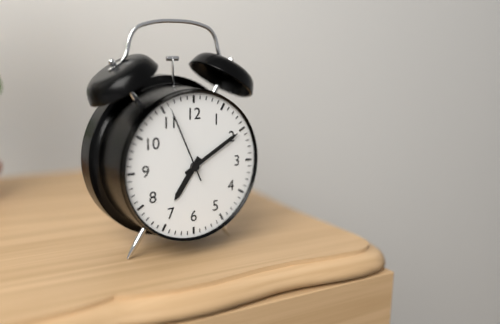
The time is 7h10m56s
